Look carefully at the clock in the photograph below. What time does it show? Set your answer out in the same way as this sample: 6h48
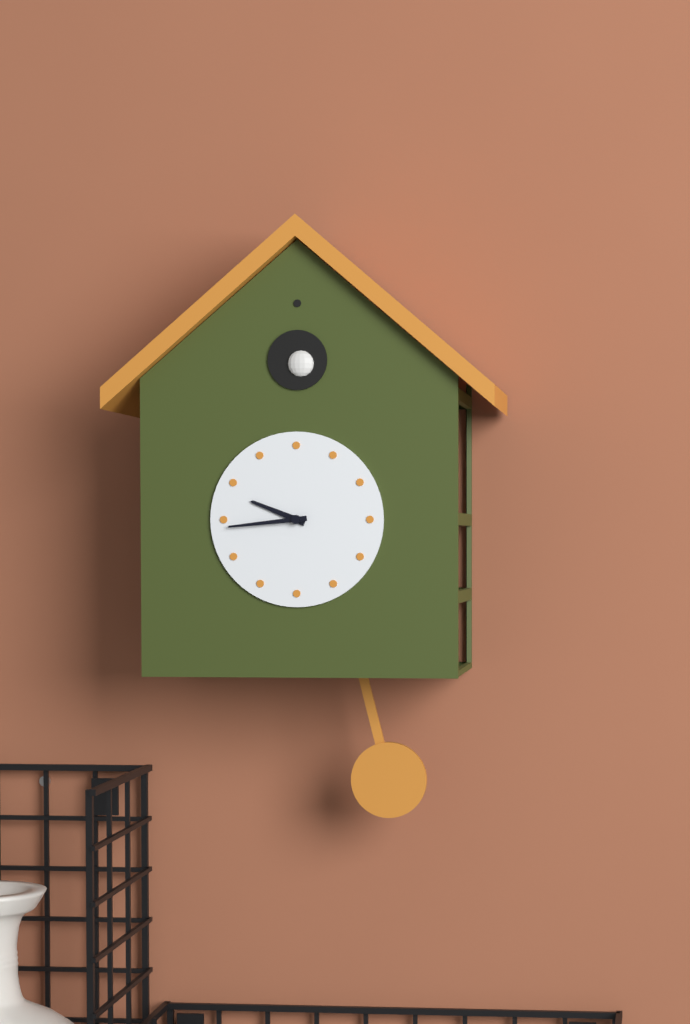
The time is 9h44
